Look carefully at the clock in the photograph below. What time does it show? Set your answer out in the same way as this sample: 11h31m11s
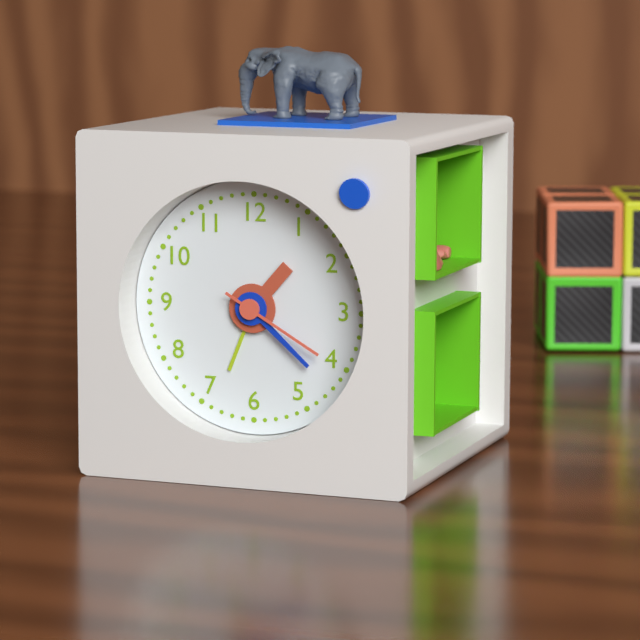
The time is 1h22m20s
